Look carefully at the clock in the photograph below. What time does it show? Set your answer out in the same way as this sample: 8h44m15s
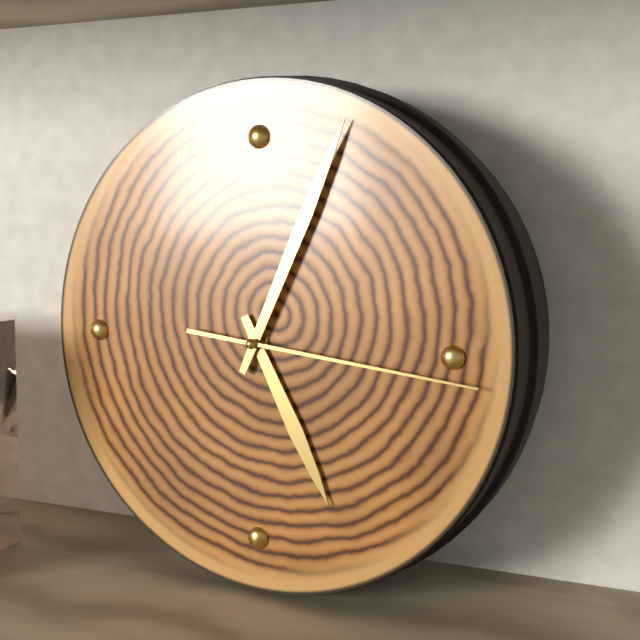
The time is 5h04m16s
